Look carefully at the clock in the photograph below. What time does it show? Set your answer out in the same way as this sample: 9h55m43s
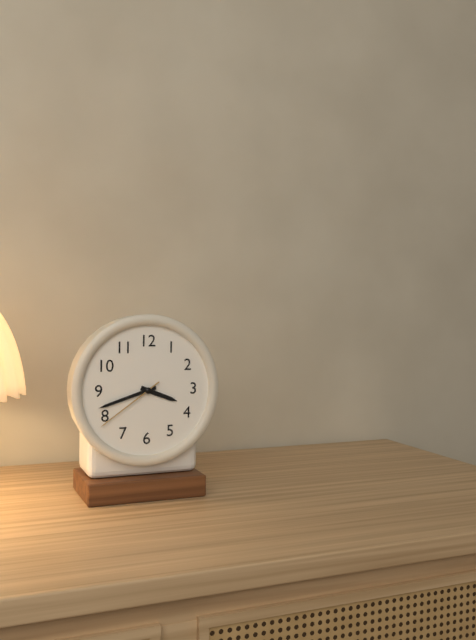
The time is 3h42m39s
